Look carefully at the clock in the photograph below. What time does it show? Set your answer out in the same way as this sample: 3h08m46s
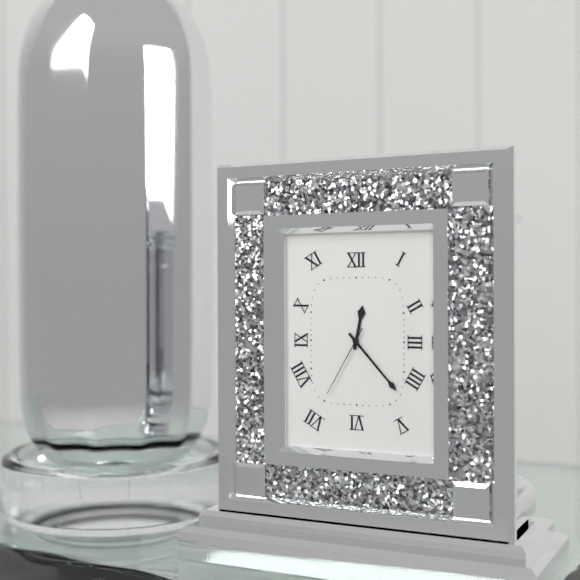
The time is 12h23m35s
